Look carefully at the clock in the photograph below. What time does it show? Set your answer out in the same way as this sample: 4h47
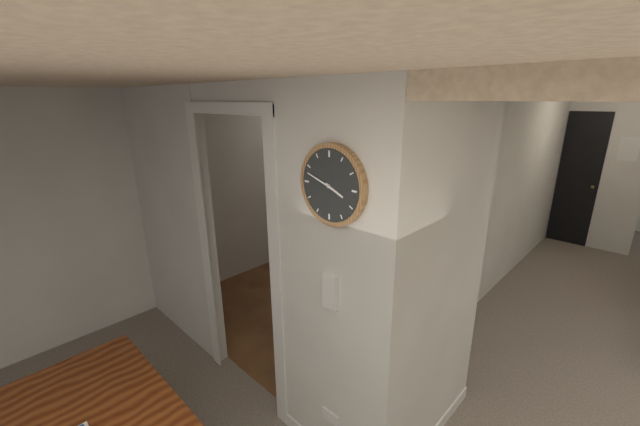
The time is 3h48
